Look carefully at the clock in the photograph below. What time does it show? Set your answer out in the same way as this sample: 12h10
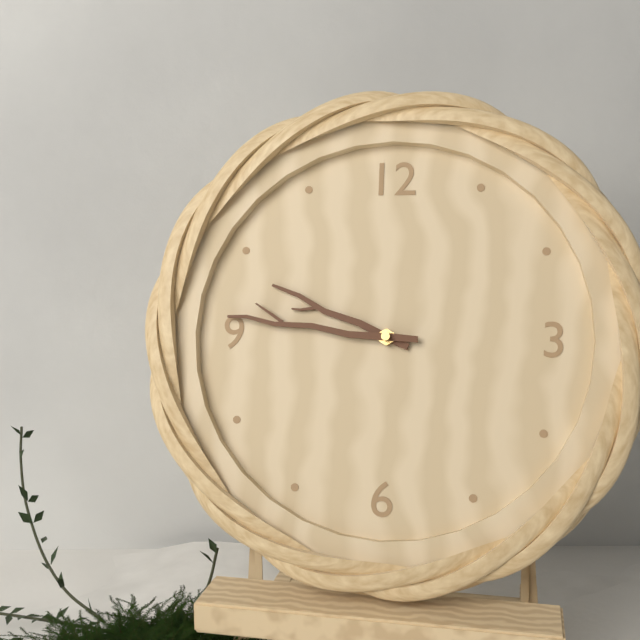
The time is 9h46
